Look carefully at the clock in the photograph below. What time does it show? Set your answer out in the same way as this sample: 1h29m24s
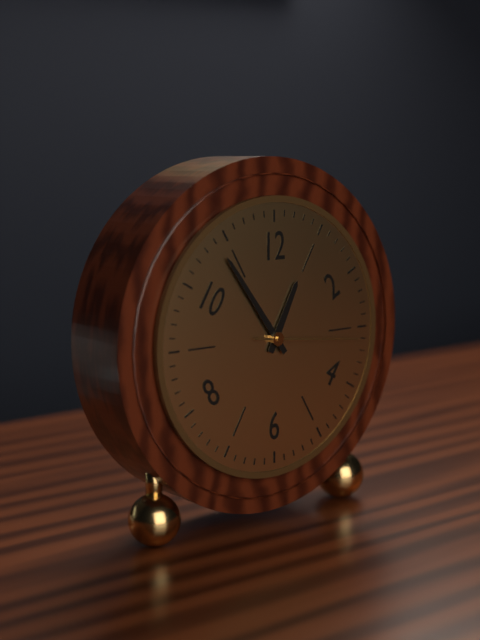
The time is 12h54m16s
